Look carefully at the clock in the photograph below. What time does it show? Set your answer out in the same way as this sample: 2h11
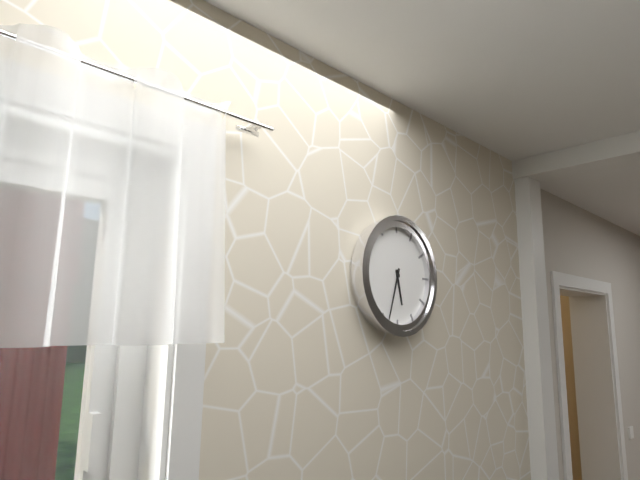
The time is 5h33
